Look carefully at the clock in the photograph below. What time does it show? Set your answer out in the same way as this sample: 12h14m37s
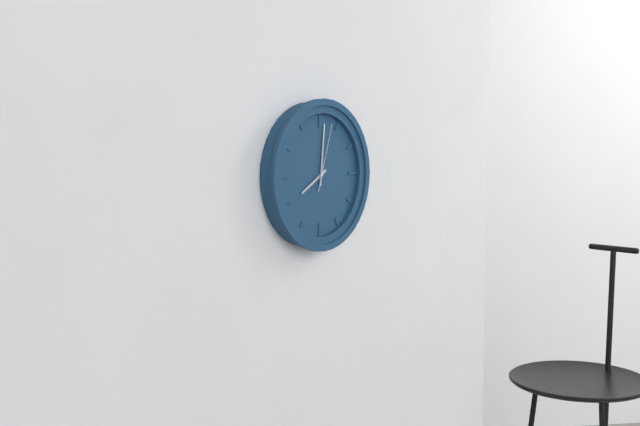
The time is 8h01m03s
